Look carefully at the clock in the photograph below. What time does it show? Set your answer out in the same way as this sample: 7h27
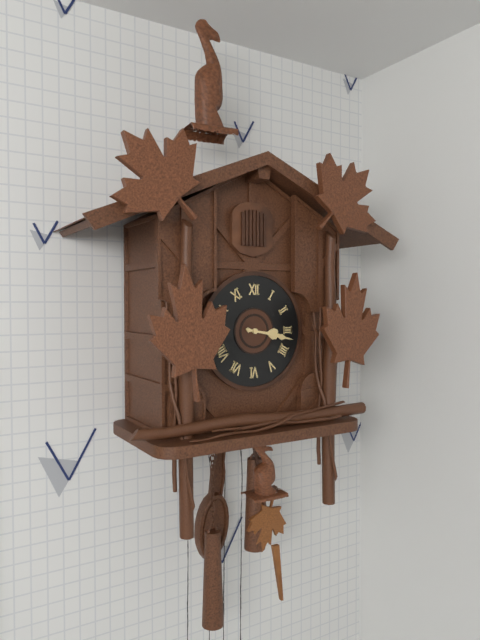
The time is 3h17
